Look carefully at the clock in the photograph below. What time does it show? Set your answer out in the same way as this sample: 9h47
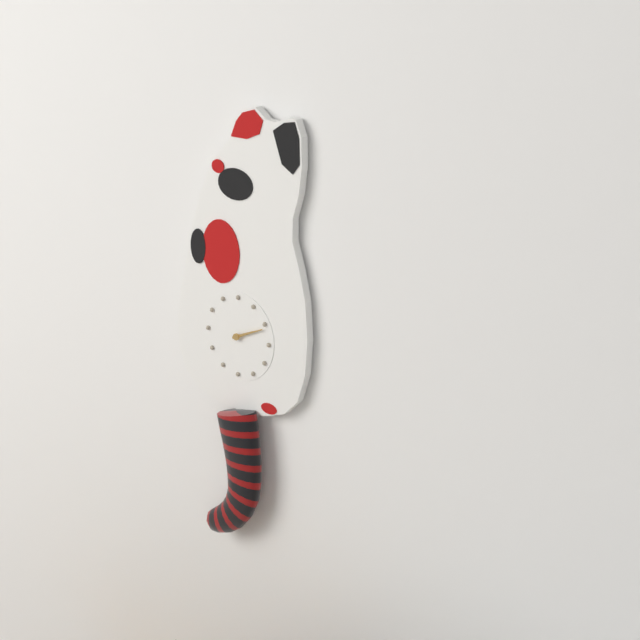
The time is 2h11
